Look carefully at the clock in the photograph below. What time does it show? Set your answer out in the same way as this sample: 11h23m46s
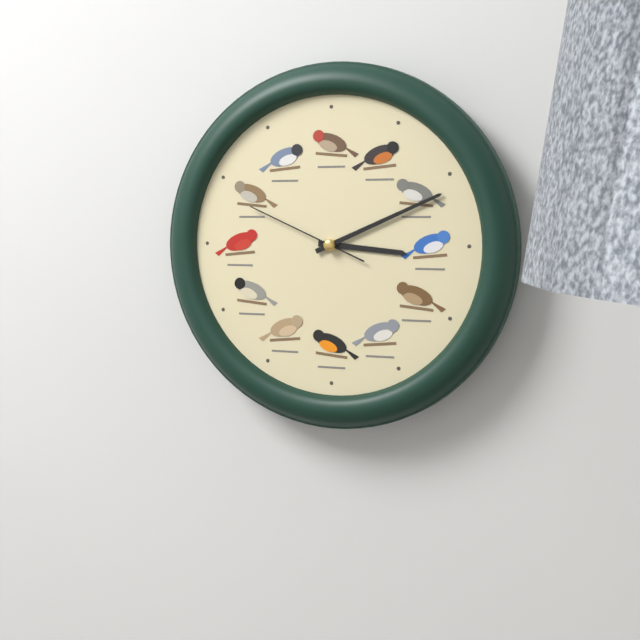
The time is 3h11m49s
